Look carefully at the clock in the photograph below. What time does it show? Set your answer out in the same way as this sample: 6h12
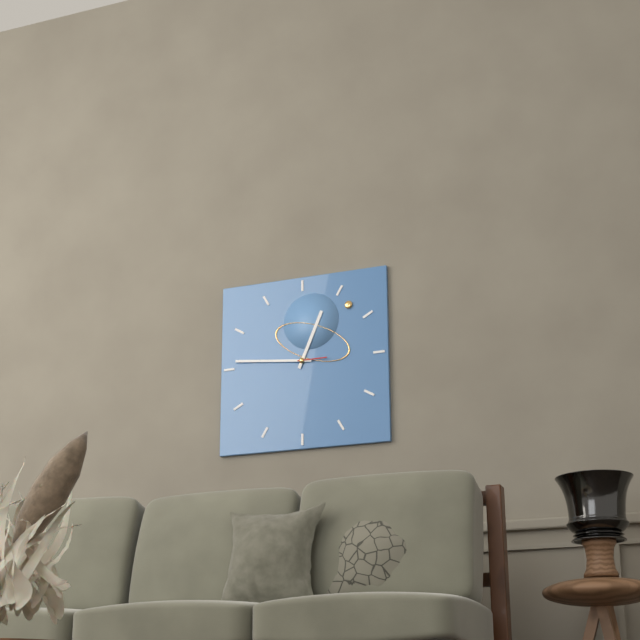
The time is 12h46
